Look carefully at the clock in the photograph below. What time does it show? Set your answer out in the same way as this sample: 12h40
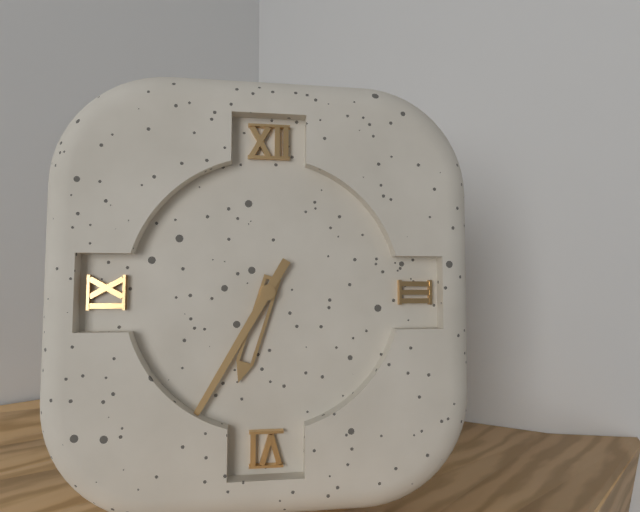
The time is 6h35
